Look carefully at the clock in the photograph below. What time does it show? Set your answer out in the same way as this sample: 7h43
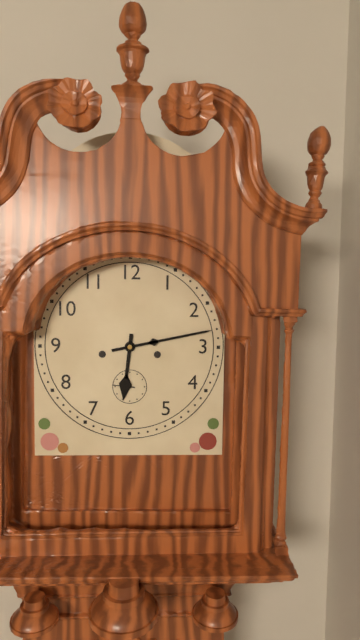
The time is 6h13
